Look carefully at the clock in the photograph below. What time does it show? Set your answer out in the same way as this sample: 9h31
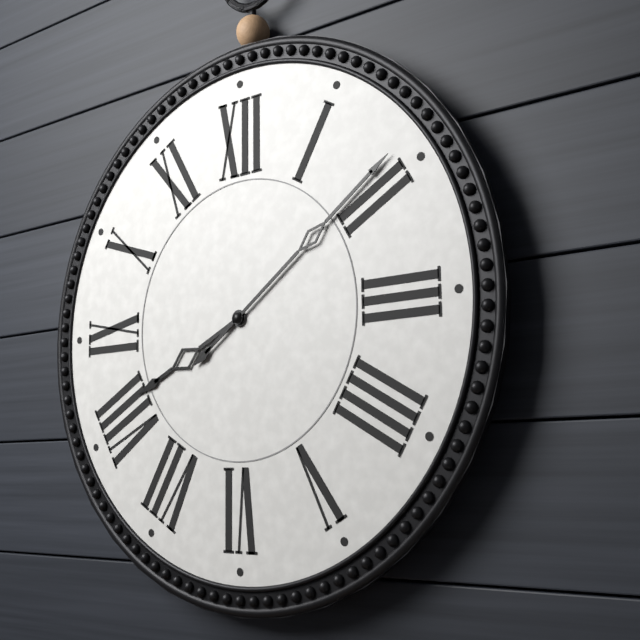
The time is 8h09
